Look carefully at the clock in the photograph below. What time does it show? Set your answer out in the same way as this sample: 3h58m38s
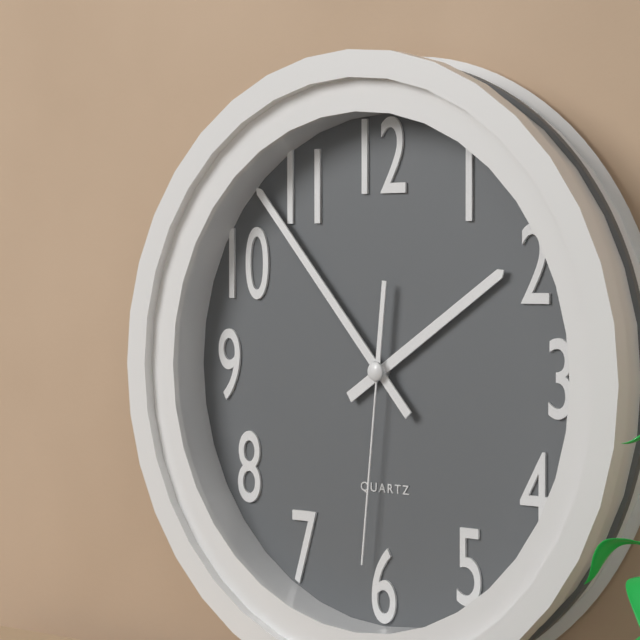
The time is 1h53m31s
